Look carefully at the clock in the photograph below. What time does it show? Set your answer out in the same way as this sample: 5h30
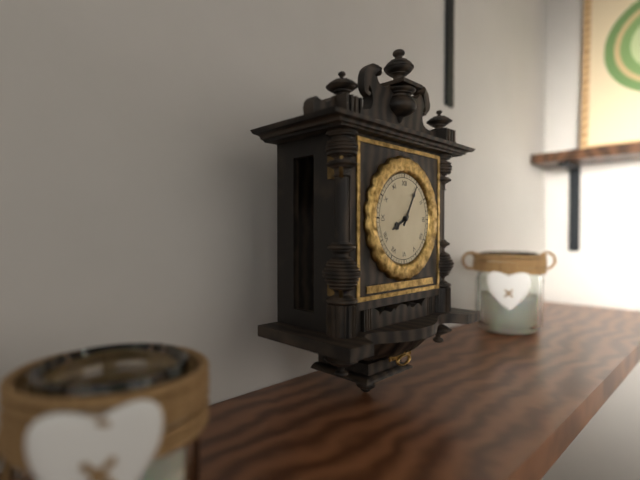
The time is 8h05
